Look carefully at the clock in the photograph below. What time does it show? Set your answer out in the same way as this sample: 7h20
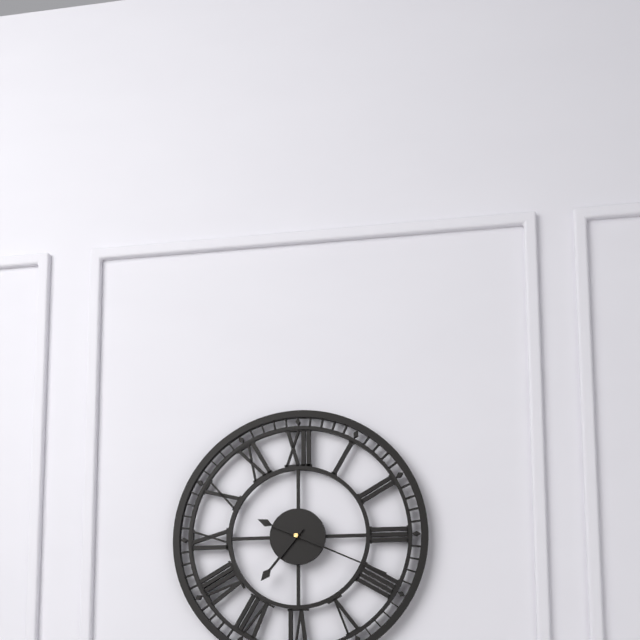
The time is 7h19
